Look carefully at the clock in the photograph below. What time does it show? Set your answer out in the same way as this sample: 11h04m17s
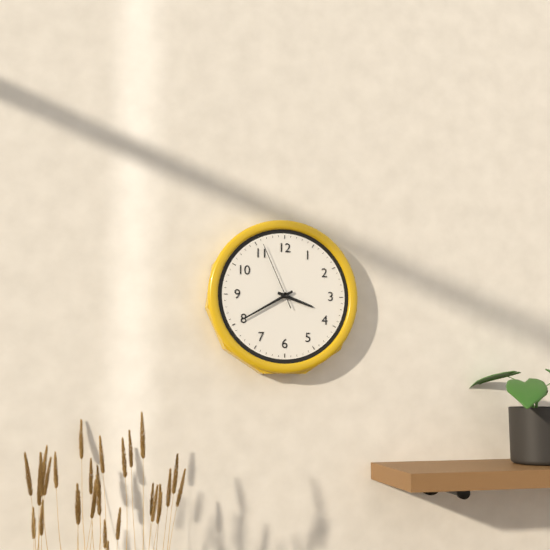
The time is 3h40m56s
